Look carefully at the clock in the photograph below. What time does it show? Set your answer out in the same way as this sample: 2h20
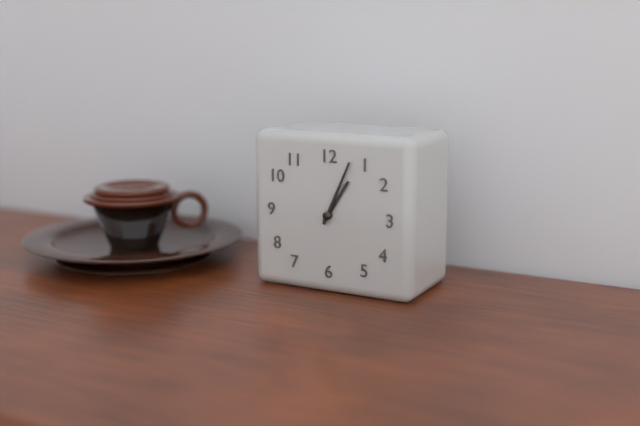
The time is 1h04
